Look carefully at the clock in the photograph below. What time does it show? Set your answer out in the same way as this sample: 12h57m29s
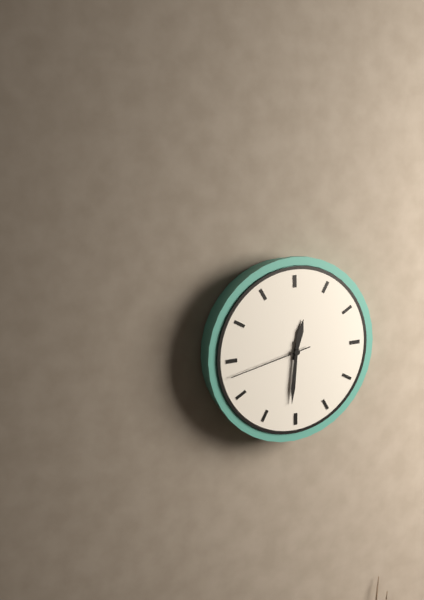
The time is 12h31m43s
